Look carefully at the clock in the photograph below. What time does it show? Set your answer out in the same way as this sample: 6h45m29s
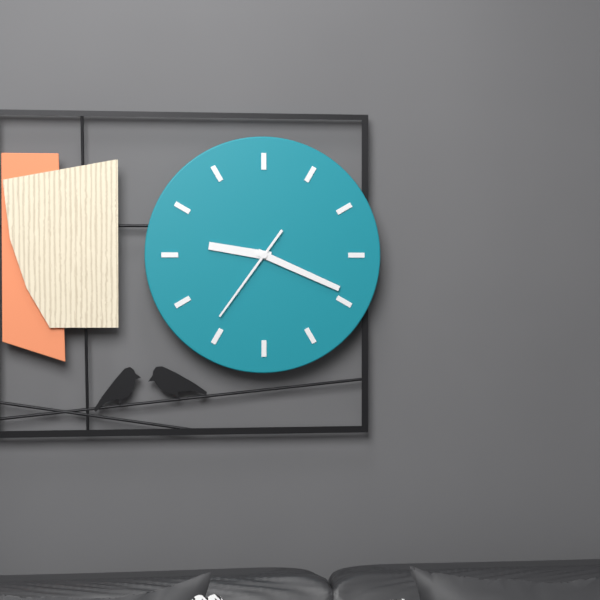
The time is 9h19m36s
